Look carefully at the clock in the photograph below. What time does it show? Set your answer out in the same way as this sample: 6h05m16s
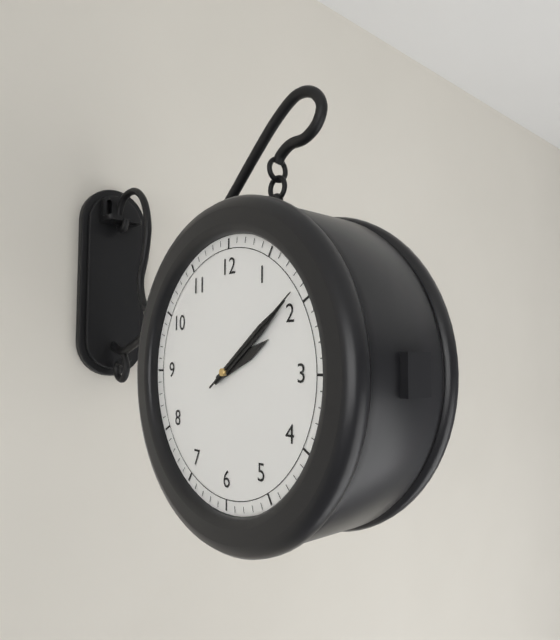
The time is 2h09m09s
